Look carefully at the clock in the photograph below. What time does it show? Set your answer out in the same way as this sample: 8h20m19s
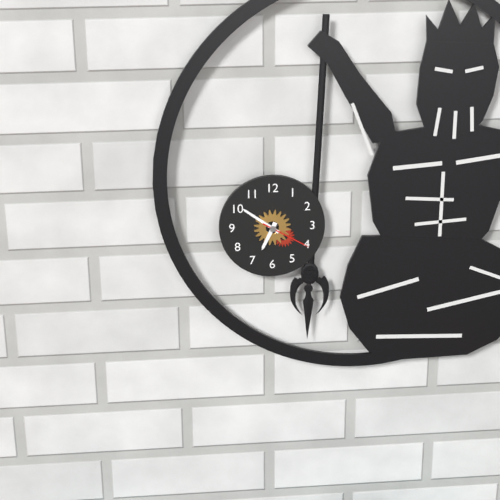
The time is 6h51m20s
